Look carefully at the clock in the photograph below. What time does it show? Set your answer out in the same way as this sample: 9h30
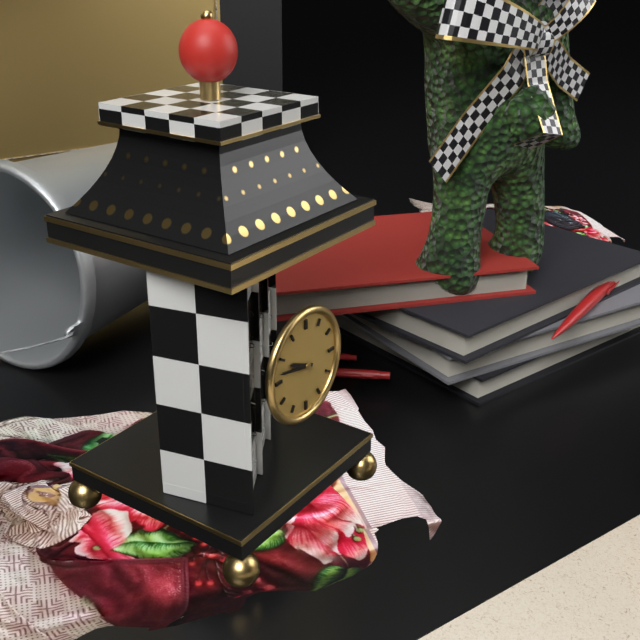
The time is 9h47
